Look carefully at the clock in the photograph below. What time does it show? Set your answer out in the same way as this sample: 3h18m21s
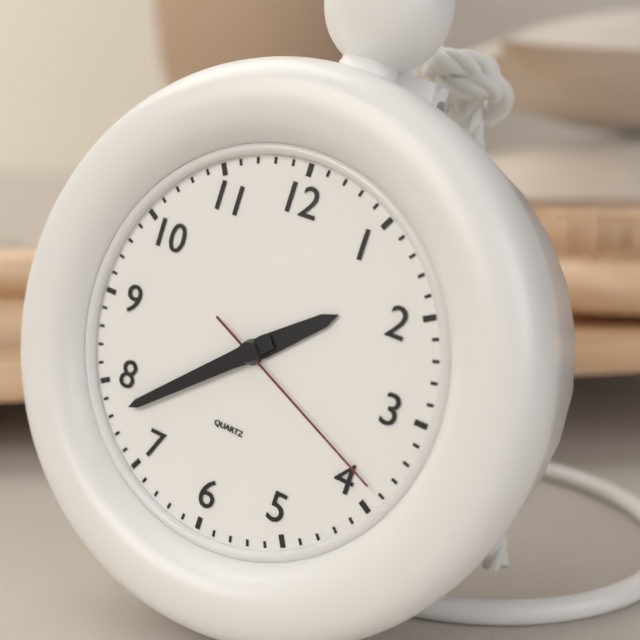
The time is 1h38m19s
